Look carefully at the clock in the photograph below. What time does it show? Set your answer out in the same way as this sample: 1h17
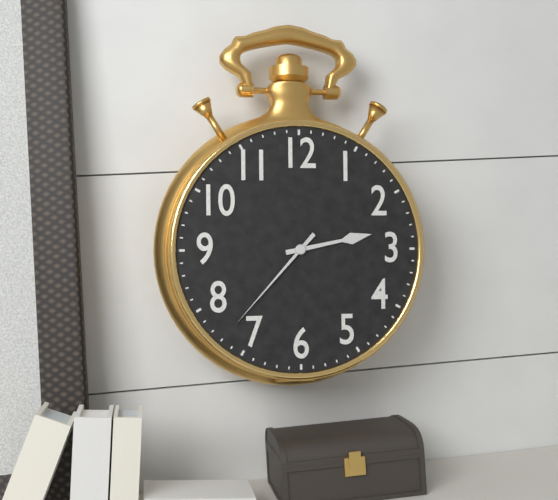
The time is 2h37
